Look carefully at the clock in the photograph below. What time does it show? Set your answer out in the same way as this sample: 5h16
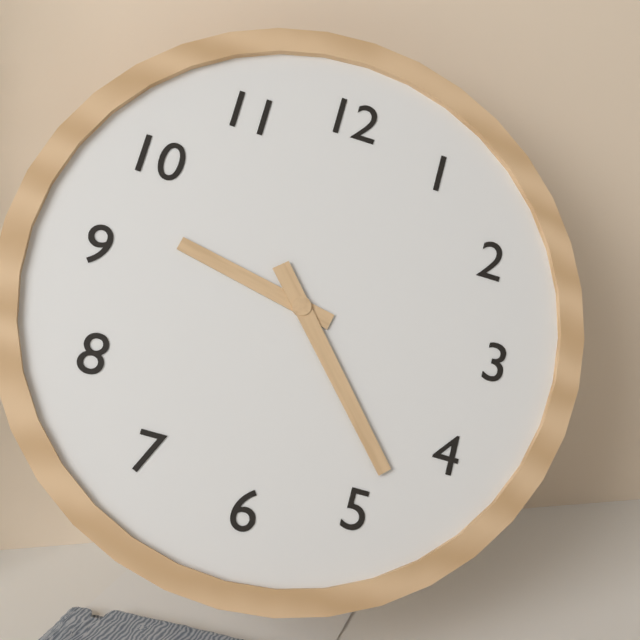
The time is 9h23
